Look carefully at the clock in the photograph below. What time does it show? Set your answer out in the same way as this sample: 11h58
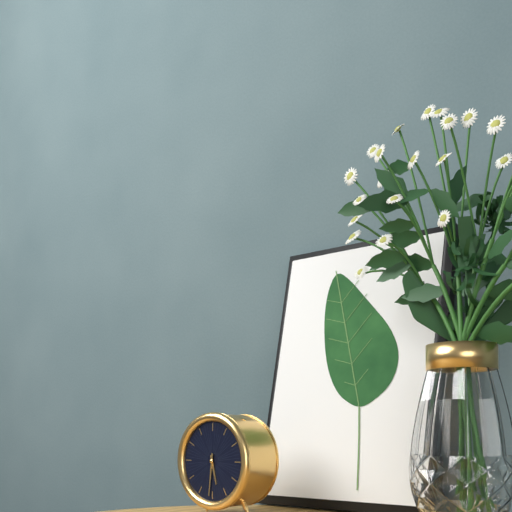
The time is 5h31
